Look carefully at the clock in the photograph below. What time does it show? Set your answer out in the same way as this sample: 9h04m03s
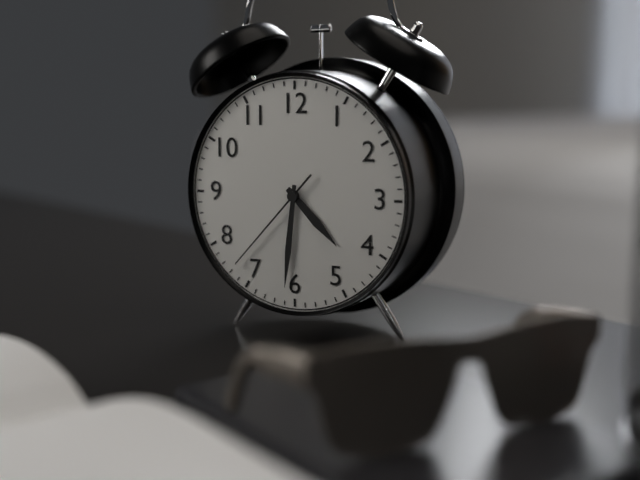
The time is 4h31m37s
